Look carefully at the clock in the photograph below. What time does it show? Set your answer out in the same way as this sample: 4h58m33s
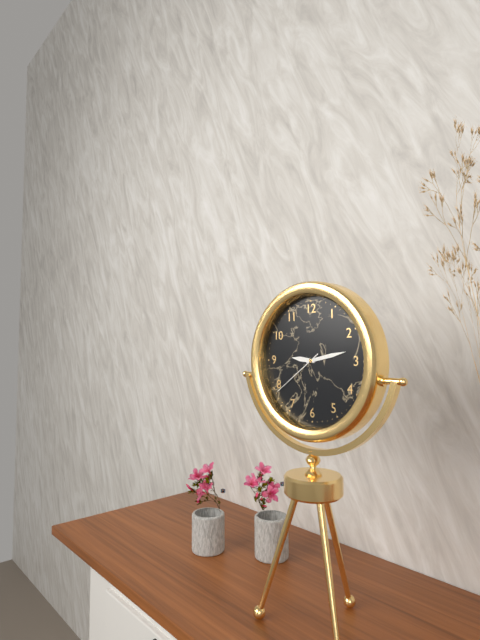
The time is 9h13m39s
